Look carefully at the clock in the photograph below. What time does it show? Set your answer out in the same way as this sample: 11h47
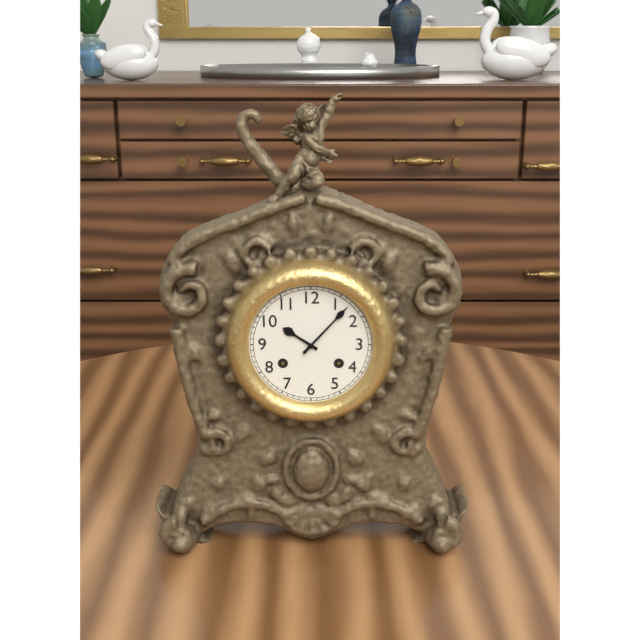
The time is 10h07
